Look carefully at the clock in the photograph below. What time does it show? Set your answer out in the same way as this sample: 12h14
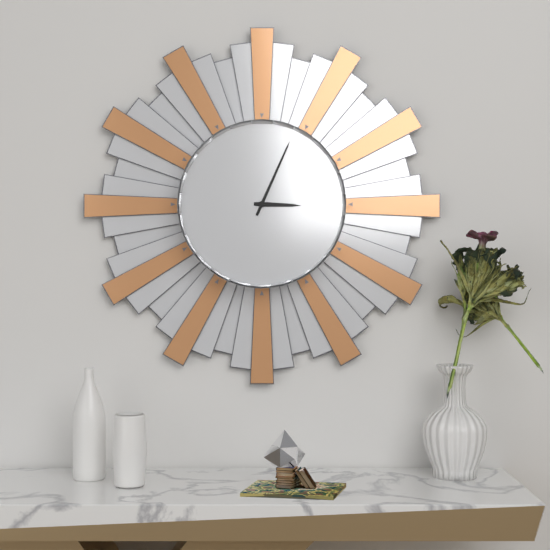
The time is 3h04
